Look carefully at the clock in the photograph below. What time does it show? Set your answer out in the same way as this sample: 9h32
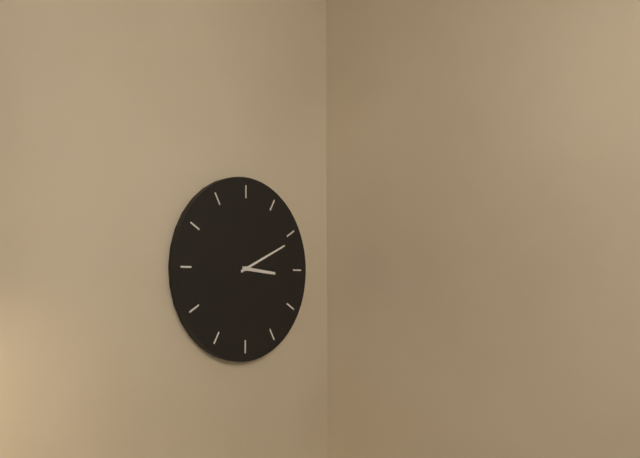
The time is 3h11
